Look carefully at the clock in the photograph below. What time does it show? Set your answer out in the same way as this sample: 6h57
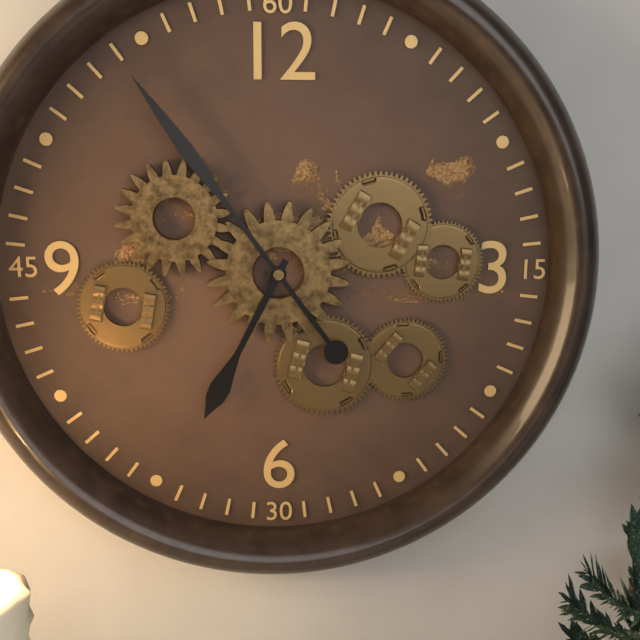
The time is 6h54
